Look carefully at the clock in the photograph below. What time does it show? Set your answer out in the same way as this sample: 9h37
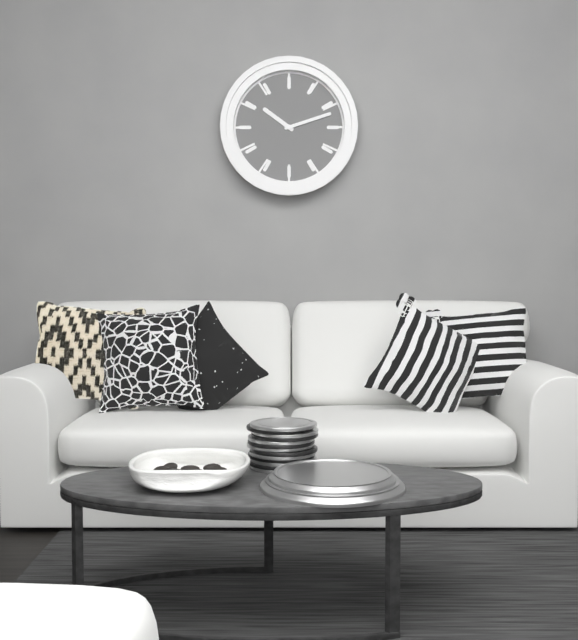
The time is 10h12
